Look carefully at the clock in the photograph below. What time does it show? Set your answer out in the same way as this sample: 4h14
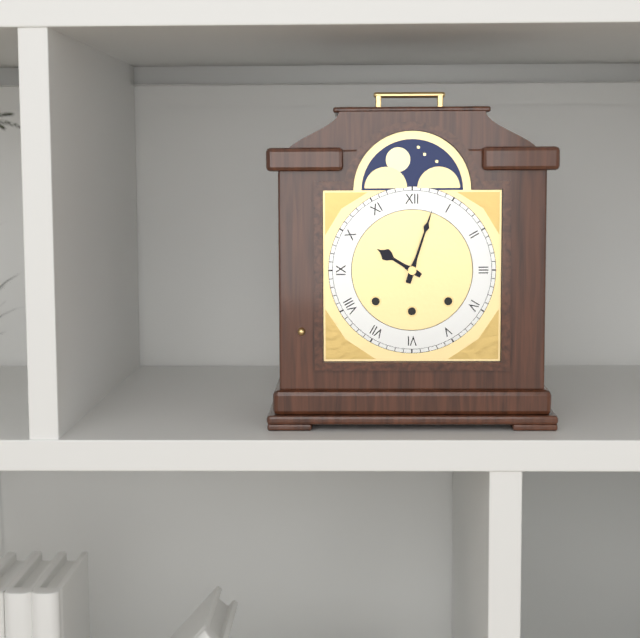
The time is 10h03
